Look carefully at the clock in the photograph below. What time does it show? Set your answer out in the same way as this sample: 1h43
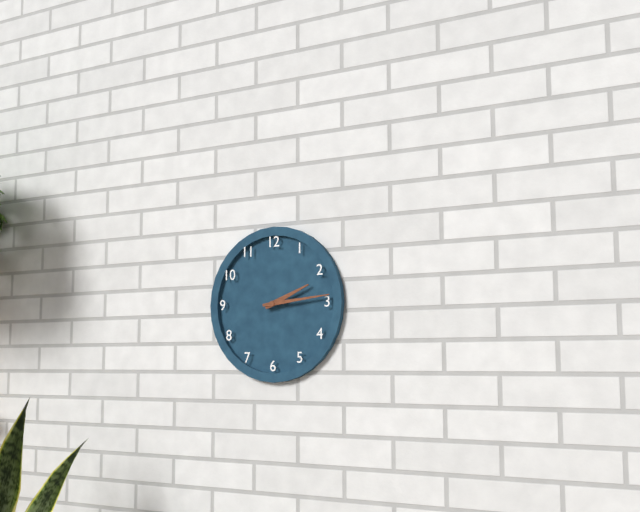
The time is 2h14
